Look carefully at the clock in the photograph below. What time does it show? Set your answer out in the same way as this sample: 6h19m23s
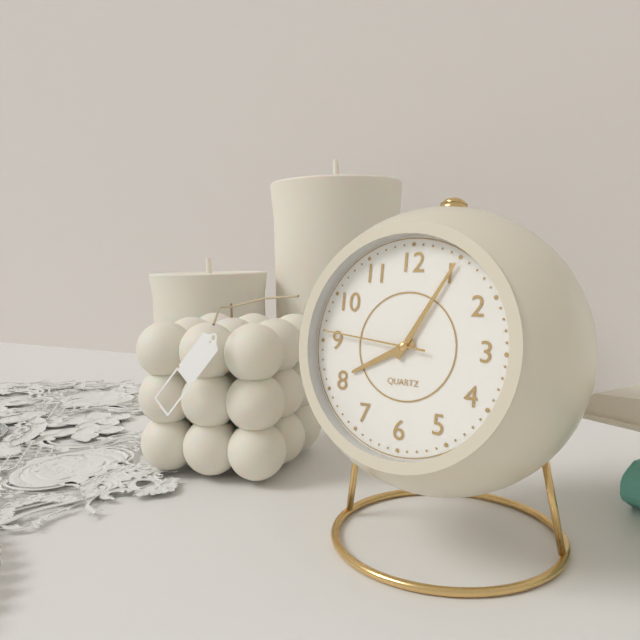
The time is 8h05m46s
